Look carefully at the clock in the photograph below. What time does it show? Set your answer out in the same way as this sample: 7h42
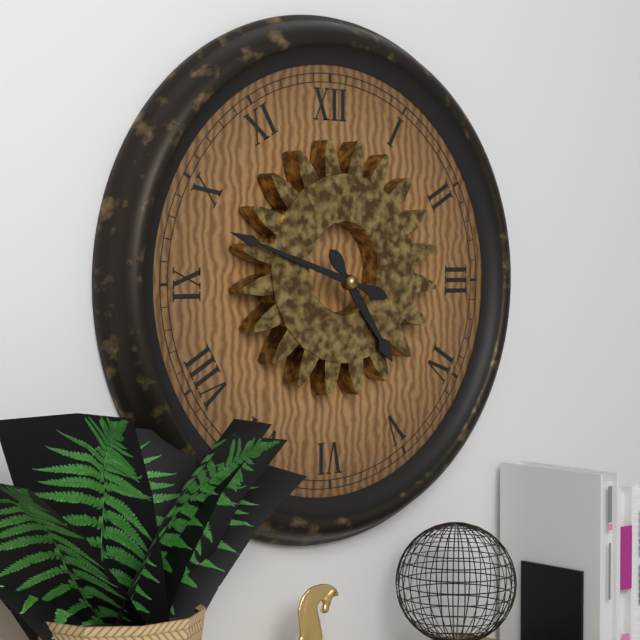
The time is 4h48
